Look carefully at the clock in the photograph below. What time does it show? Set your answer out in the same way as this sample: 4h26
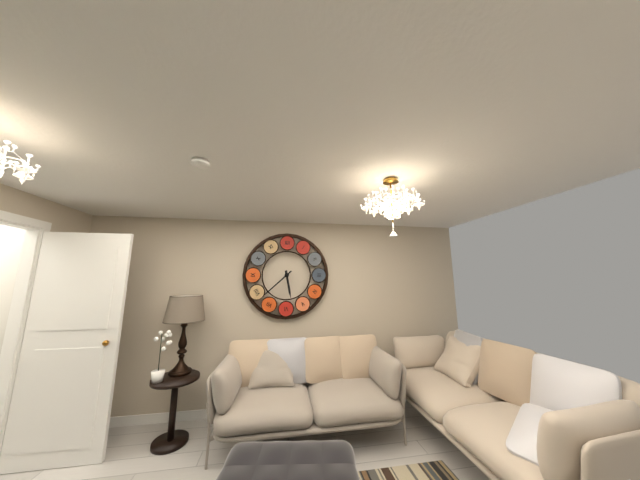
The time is 5h38
